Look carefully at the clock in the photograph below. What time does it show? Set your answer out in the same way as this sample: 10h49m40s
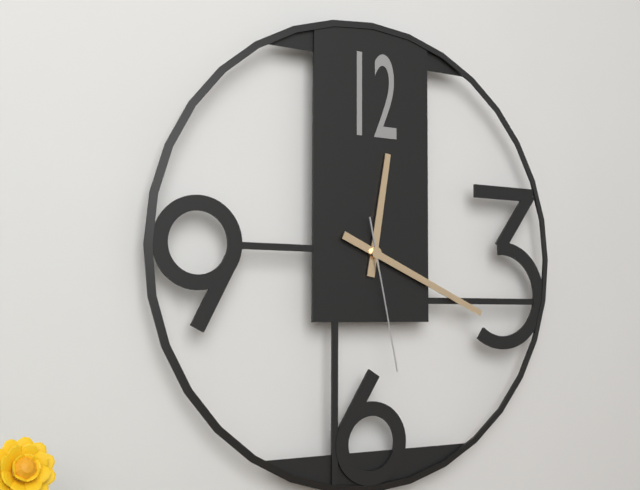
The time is 12h19m28s
